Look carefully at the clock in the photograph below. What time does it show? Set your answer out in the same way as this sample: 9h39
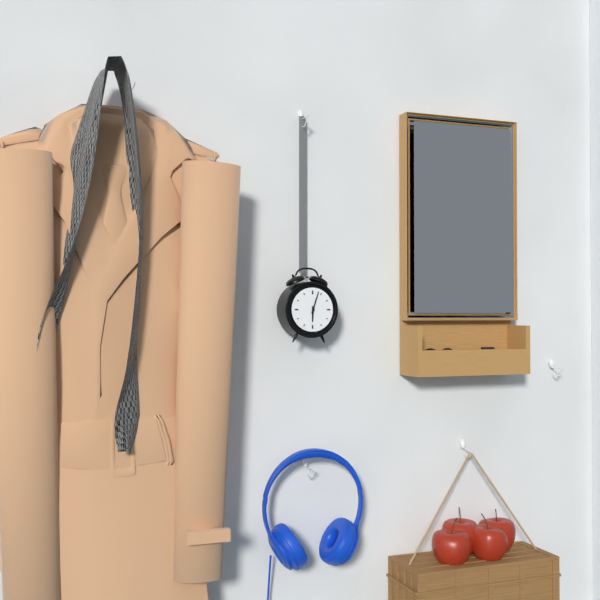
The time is 6h03
